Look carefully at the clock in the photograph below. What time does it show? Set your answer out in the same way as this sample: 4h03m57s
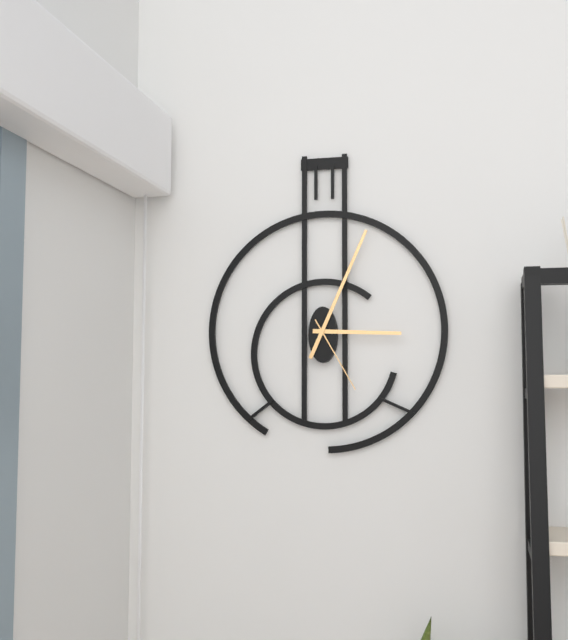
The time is 3h04m25s
